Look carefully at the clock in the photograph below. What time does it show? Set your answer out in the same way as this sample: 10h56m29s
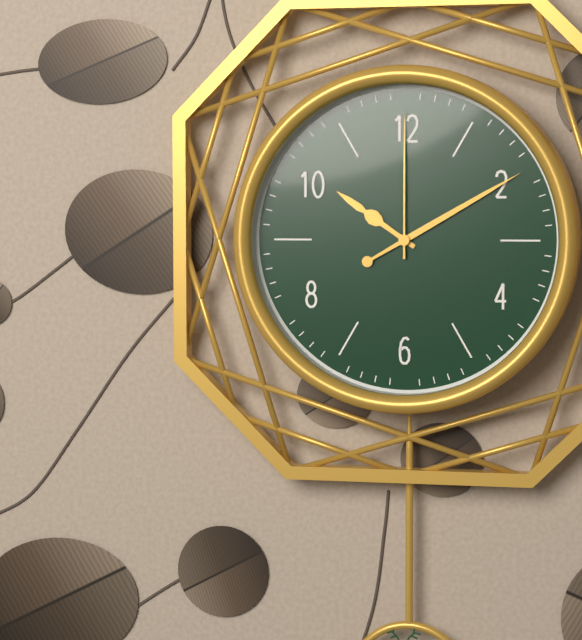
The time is 10h10m00s
